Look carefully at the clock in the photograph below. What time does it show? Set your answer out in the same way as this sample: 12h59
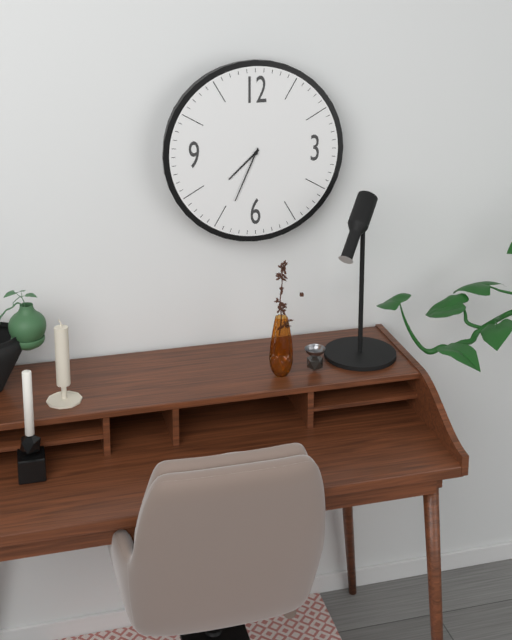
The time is 7h34
